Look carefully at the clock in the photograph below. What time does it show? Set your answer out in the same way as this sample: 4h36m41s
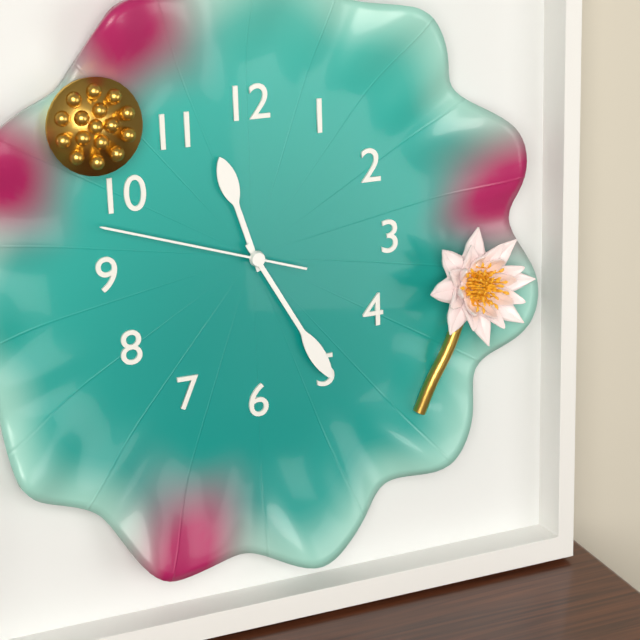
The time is 11h25m48s
